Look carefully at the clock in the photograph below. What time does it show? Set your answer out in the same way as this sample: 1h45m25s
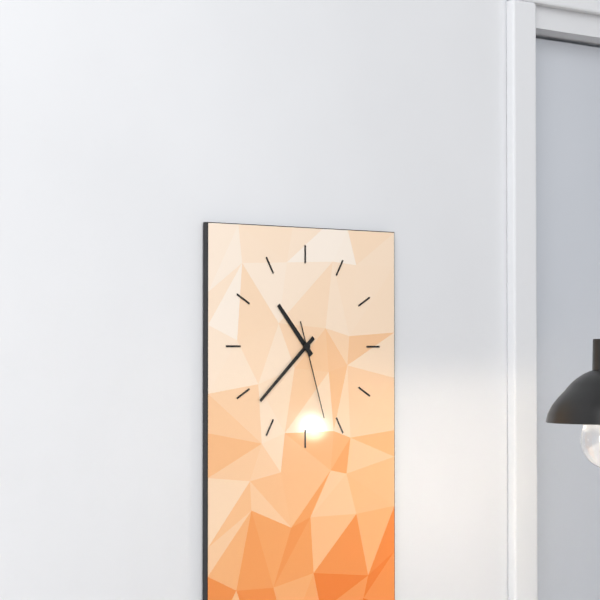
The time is 10h38m27s
